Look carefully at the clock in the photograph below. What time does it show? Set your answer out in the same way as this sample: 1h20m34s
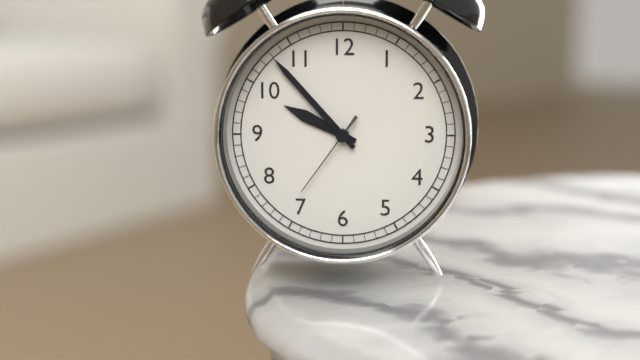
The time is 9h53m36s
